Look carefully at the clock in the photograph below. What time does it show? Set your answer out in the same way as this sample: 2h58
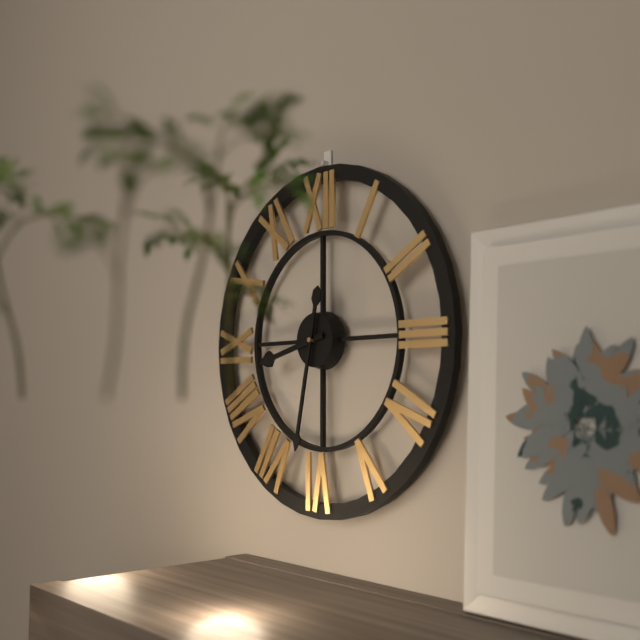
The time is 8h32
